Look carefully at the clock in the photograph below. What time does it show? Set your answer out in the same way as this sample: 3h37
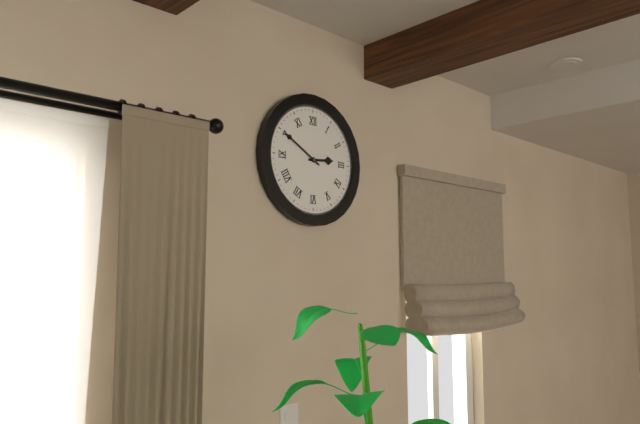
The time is 2h50
